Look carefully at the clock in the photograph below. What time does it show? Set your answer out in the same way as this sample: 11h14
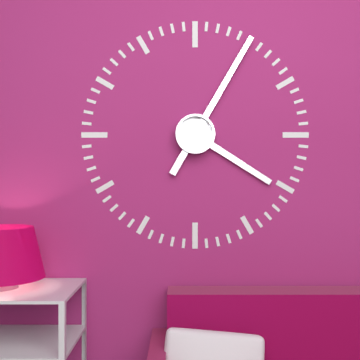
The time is 4h05
